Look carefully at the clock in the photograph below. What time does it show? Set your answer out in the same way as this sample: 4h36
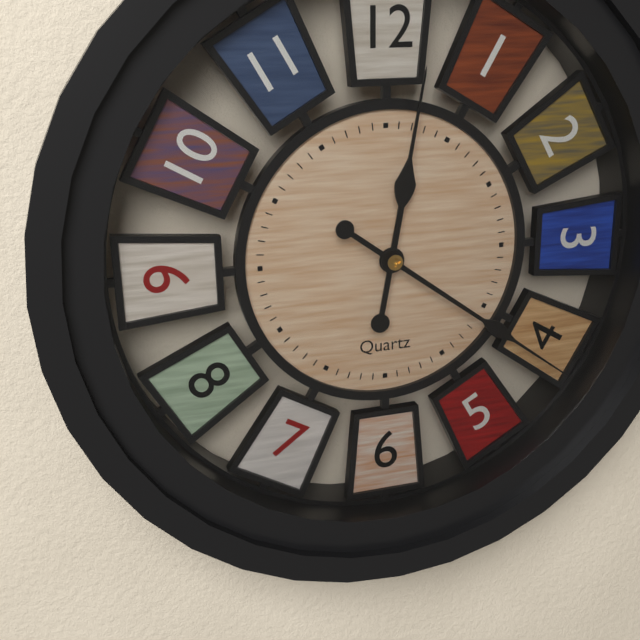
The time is 12h21
